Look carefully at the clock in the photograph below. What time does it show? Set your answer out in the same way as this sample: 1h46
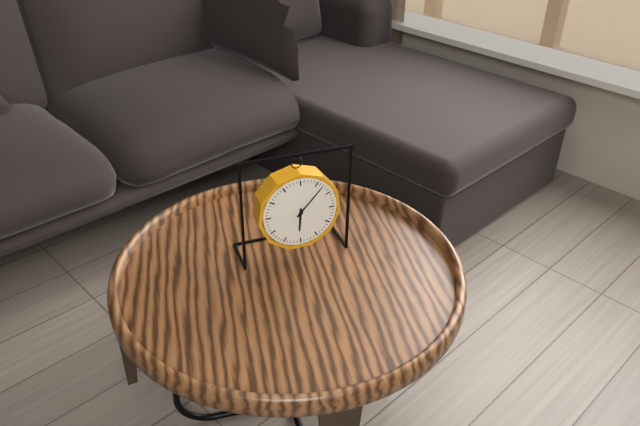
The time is 6h07
